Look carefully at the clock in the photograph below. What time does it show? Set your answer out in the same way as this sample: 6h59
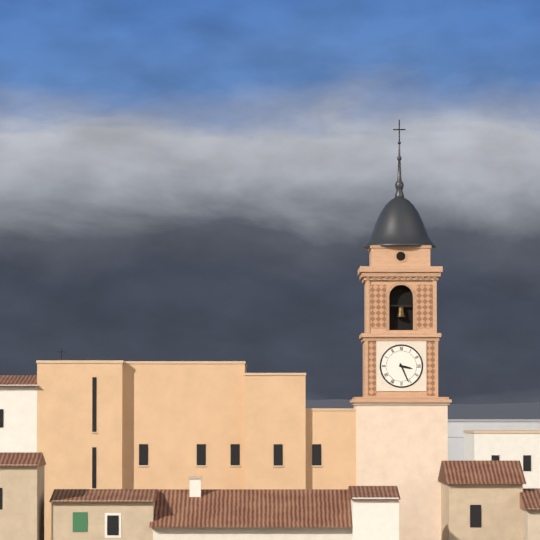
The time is 3h26
